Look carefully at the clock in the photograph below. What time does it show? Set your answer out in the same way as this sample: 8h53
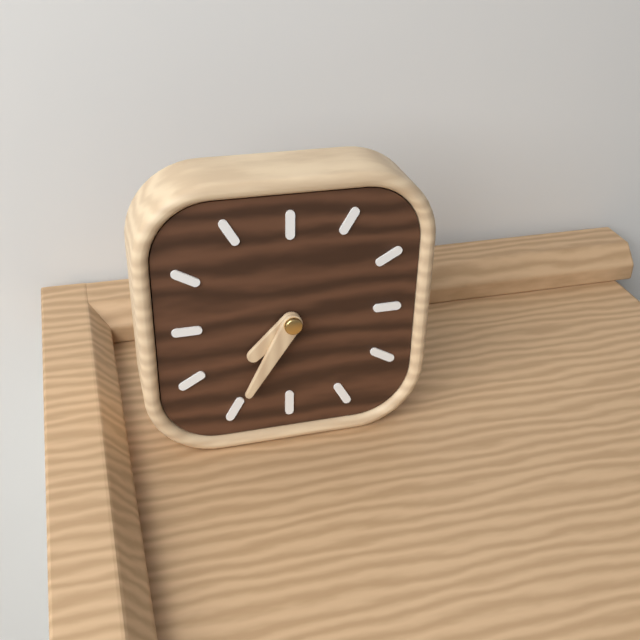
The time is 7h35
